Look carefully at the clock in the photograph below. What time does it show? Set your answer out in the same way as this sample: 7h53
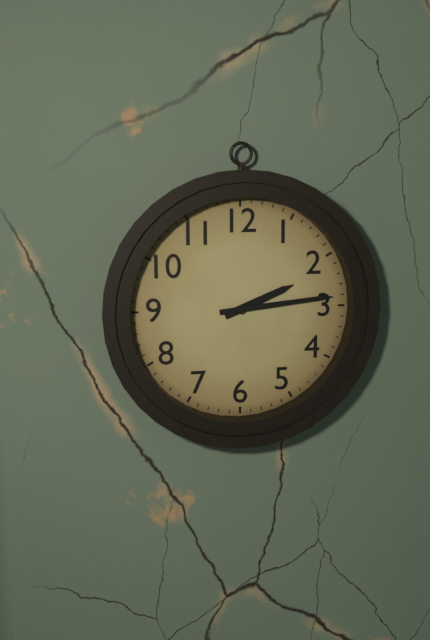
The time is 2h14
